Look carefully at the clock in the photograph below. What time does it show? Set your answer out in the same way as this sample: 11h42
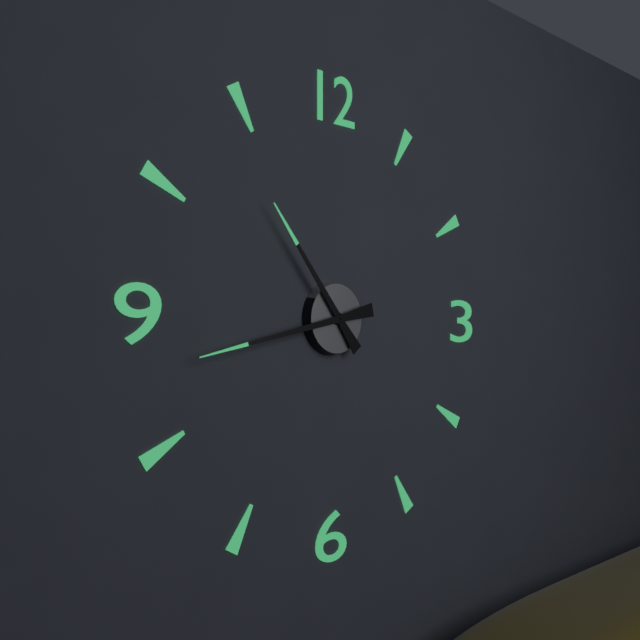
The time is 10h43
